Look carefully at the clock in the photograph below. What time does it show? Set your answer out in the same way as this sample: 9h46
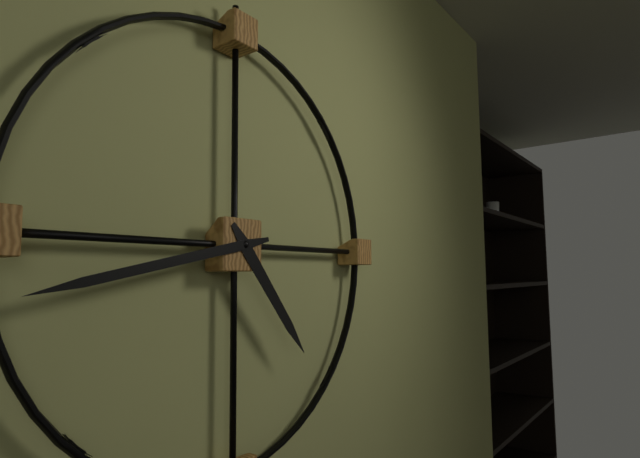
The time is 4h43
